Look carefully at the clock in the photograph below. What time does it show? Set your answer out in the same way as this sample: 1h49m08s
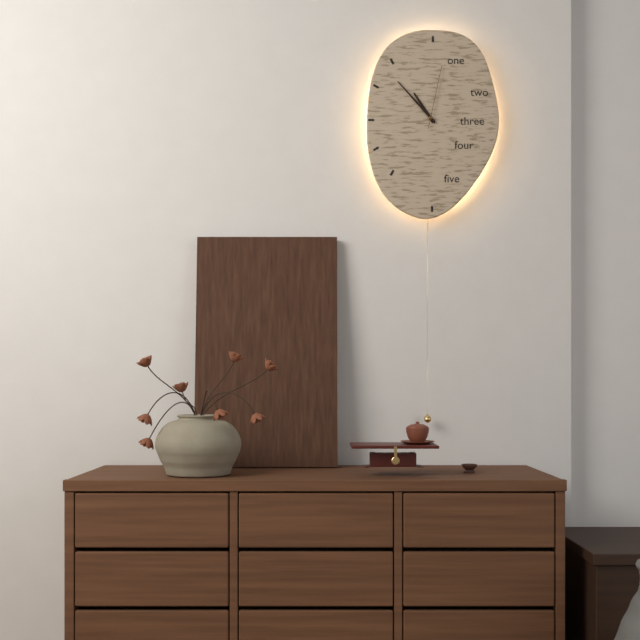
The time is 10h53m02s
